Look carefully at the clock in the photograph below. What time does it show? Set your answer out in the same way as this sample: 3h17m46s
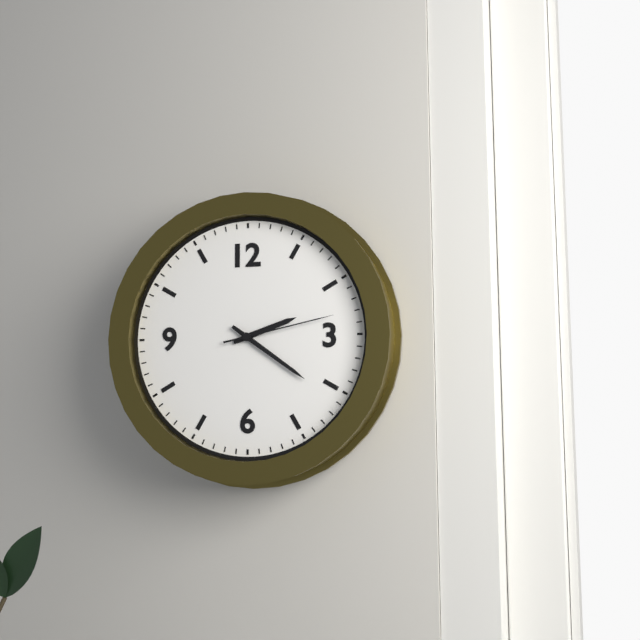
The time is 2h21m13s
